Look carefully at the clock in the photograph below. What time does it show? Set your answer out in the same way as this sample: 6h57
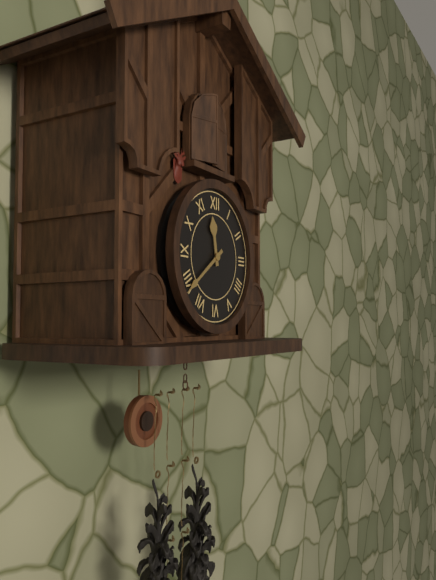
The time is 11h39
